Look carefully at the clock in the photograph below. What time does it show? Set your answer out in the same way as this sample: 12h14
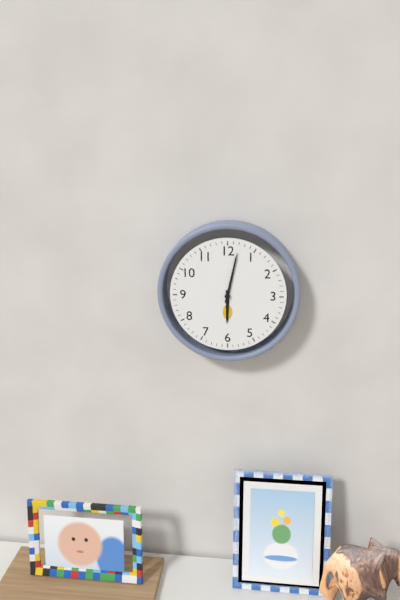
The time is 6h02
